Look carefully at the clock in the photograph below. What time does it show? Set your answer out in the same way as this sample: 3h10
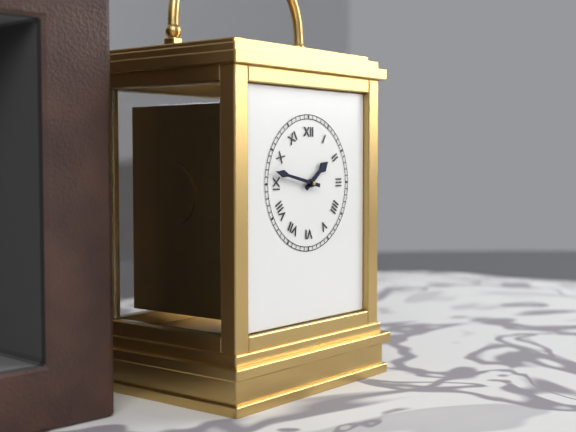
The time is 1h47
